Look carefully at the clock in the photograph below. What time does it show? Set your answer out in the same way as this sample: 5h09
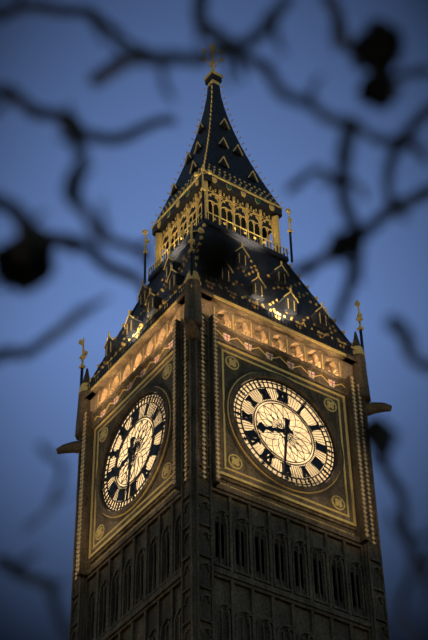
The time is 8h31
